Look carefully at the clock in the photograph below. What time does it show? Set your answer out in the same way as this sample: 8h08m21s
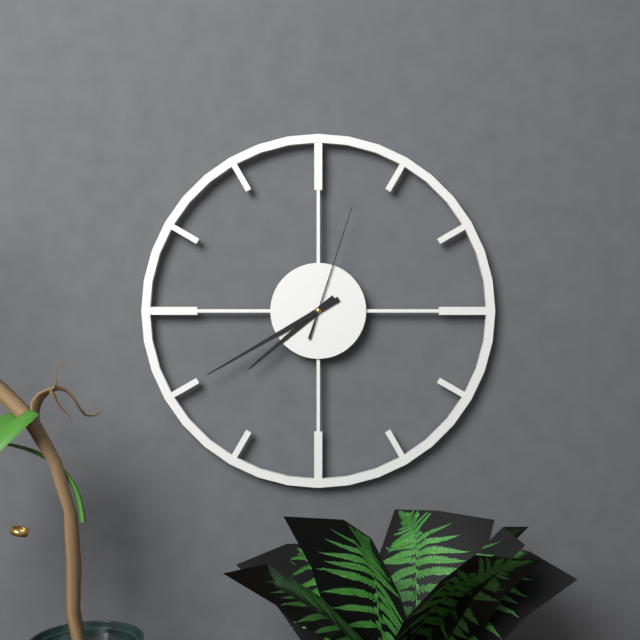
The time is 7h40m03s
